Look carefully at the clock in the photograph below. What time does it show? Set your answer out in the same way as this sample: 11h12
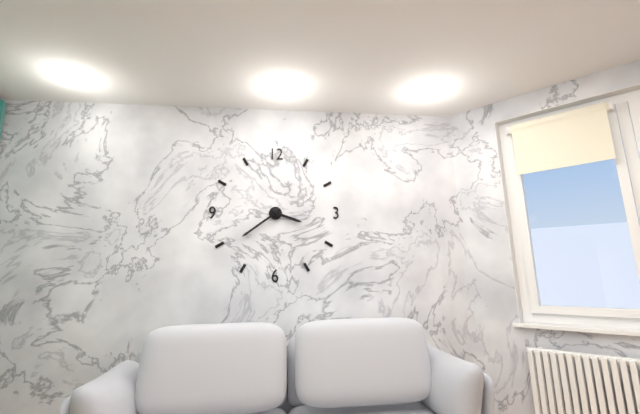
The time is 3h39
